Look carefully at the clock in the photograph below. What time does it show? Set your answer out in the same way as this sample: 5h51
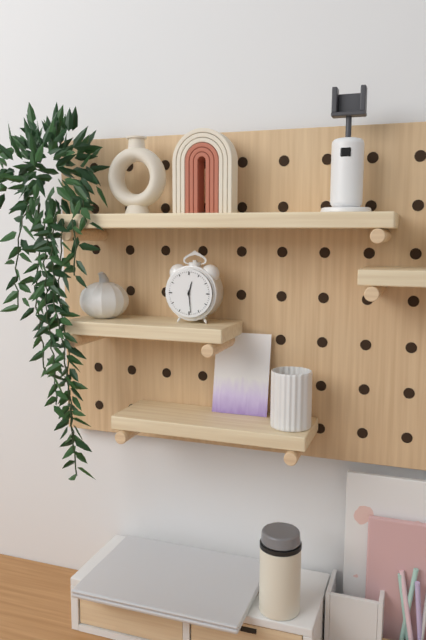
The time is 12h29
